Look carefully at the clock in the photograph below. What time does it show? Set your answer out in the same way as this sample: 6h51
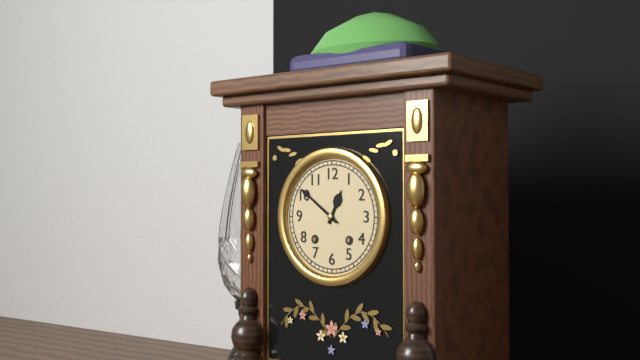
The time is 12h51
